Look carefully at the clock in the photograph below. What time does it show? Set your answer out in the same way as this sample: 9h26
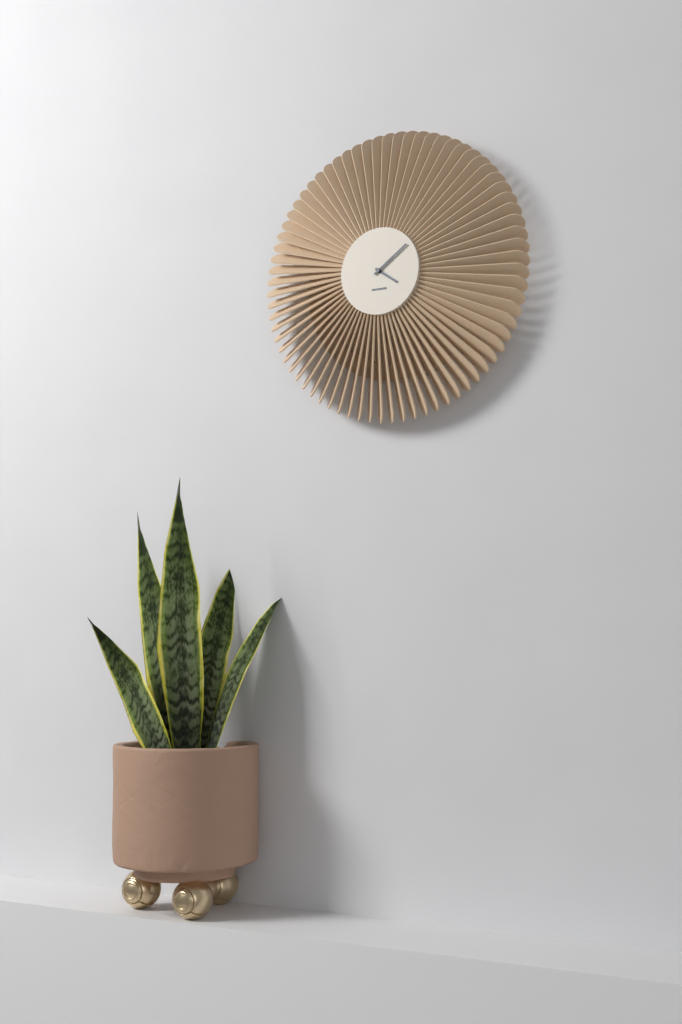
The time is 4h09
